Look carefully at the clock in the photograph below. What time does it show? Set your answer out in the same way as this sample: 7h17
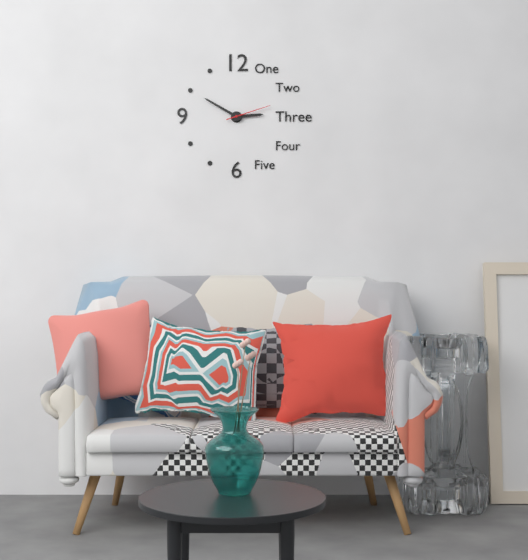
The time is 2h50
